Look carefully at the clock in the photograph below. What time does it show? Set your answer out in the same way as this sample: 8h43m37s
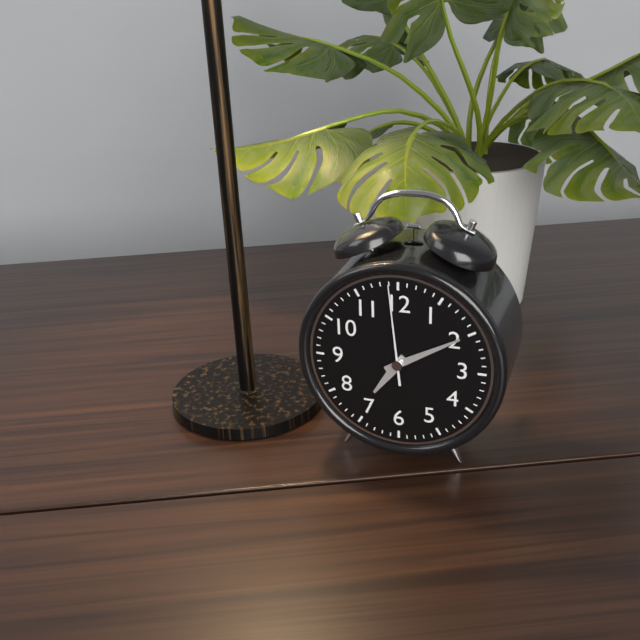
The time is 7h10m59s
